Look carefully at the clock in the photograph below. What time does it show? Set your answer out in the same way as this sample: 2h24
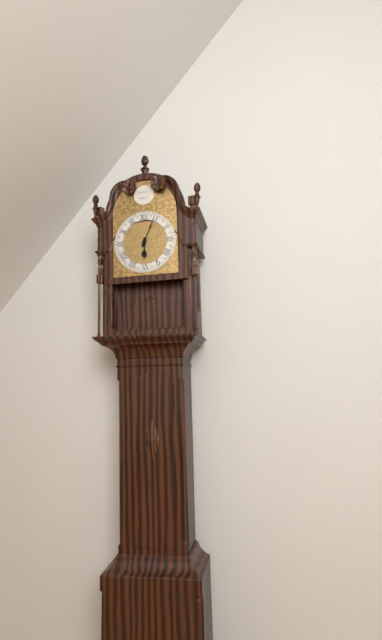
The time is 6h04
